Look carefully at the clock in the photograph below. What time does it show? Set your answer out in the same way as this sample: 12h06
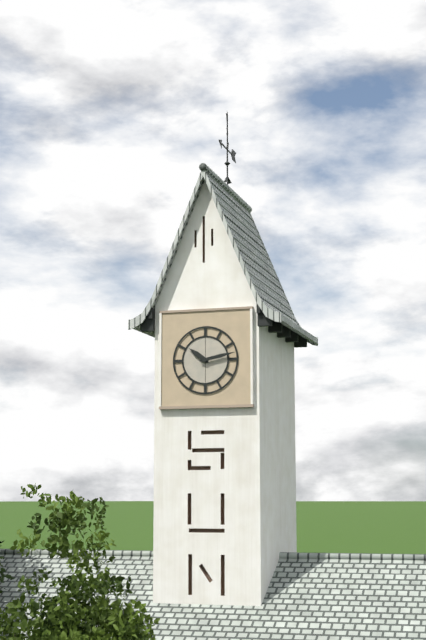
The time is 10h13
